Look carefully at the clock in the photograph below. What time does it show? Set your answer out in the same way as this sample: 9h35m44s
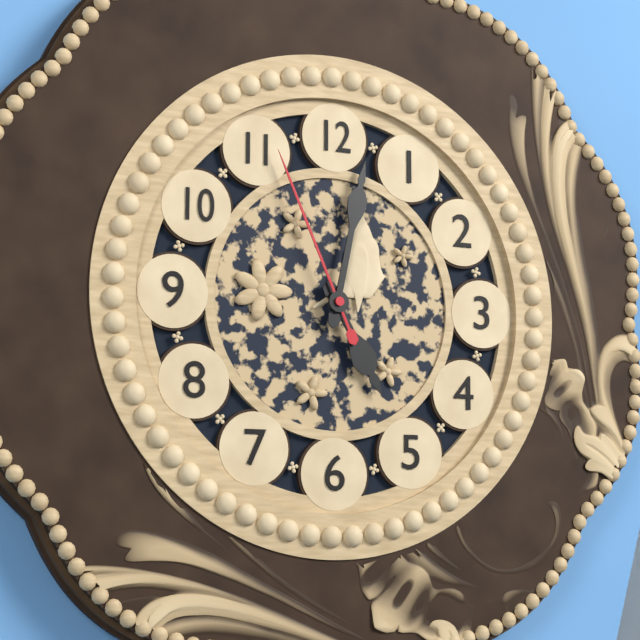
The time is 5h02m56s
